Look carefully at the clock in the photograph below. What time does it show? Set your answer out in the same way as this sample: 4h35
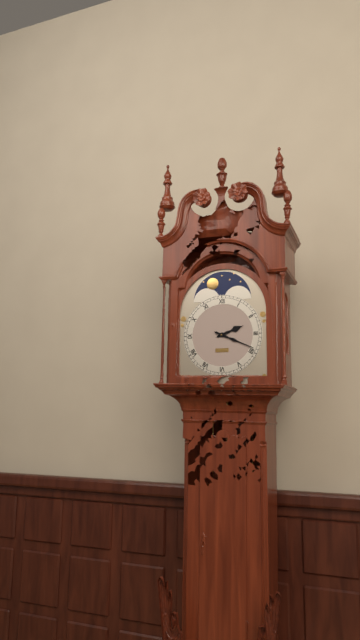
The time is 2h19
